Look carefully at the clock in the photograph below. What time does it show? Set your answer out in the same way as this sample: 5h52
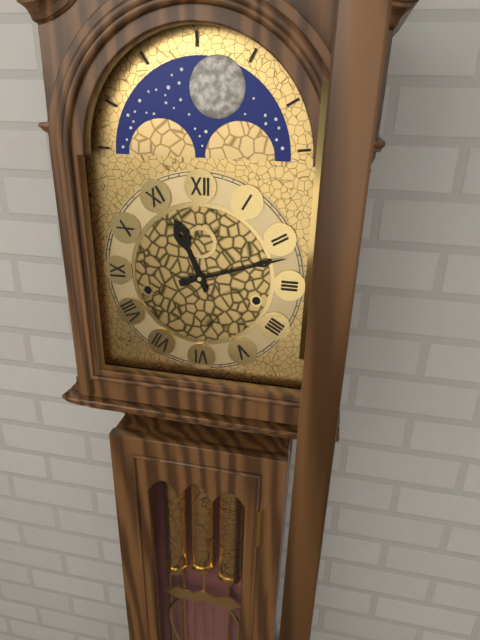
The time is 11h12
